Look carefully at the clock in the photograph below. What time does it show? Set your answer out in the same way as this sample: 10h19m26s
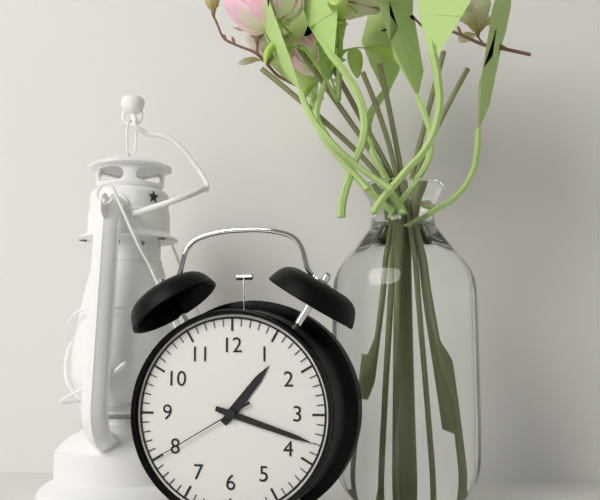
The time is 1h18m40s
